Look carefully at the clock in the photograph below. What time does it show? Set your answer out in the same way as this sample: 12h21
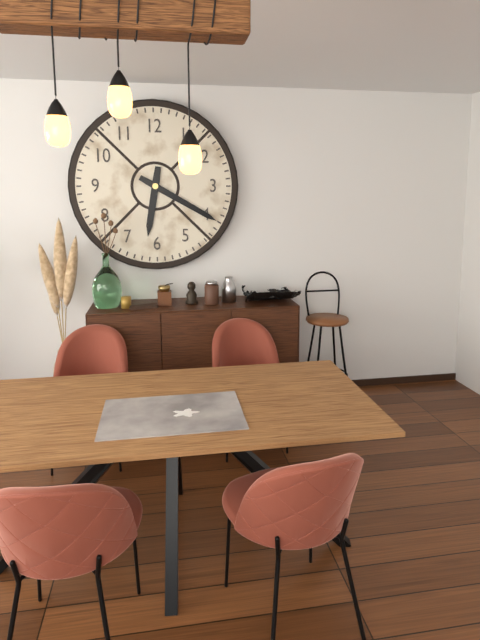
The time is 6h20
